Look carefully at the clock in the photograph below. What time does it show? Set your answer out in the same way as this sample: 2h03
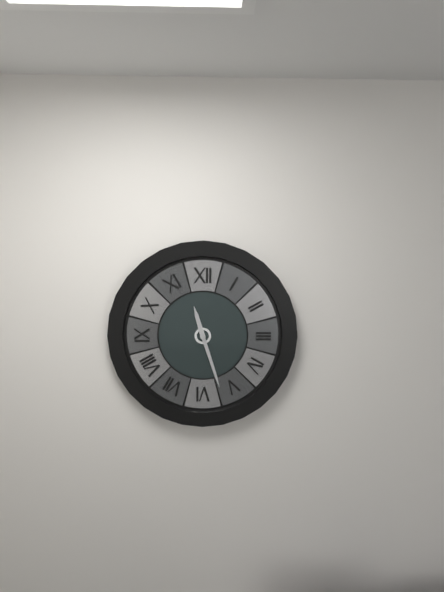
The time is 11h27
